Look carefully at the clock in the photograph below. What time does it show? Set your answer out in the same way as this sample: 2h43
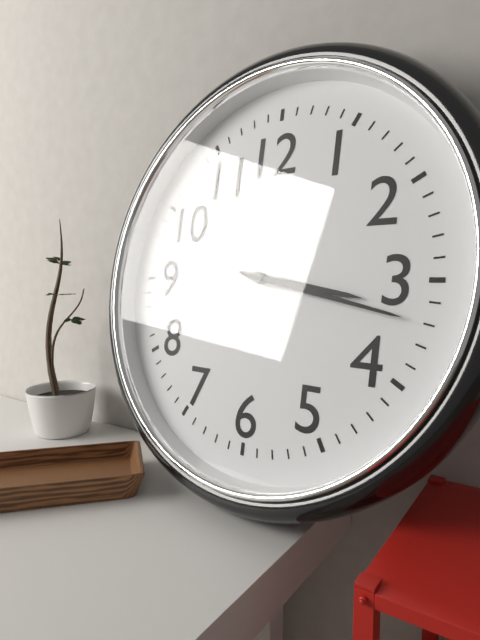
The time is 3h17
